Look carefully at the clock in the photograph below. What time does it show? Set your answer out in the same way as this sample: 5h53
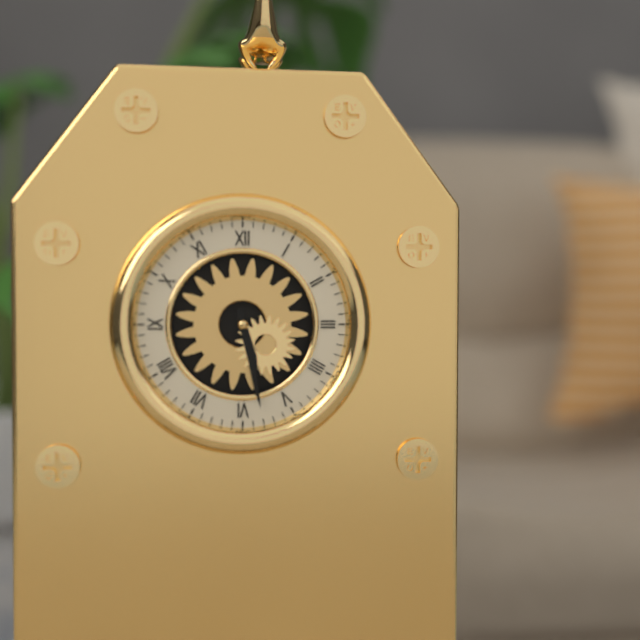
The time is 5h28
